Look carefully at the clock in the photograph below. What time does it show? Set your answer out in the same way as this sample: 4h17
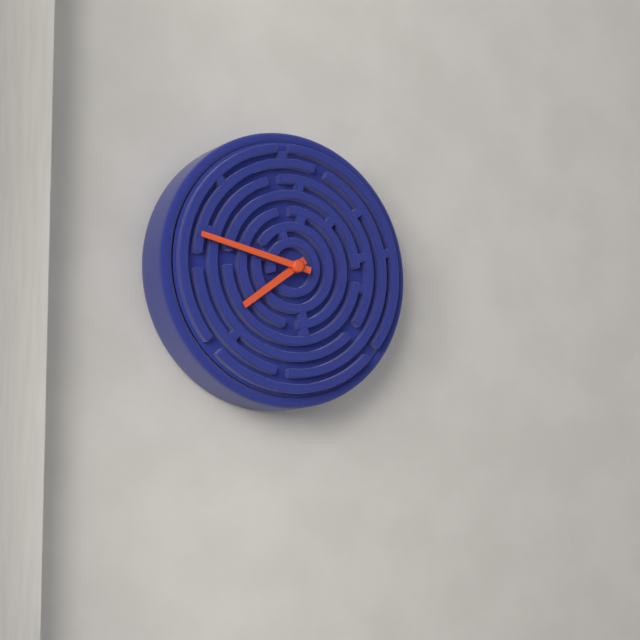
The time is 7h47
